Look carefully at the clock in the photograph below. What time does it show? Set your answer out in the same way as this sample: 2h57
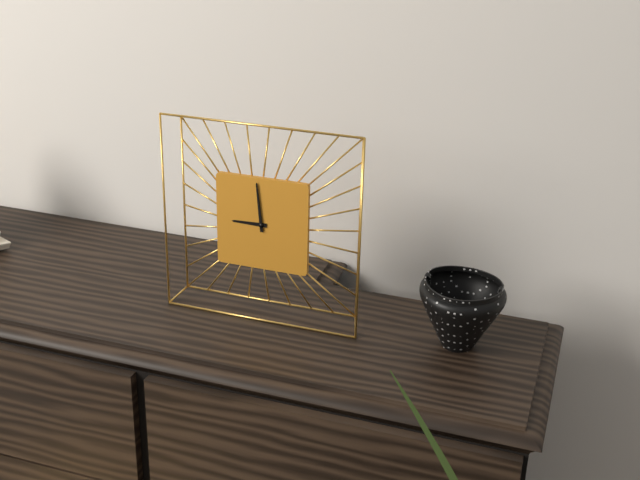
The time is 8h59
